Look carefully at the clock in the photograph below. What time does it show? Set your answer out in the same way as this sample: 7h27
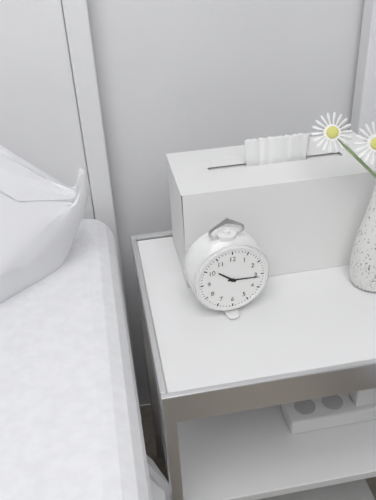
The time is 10h16
